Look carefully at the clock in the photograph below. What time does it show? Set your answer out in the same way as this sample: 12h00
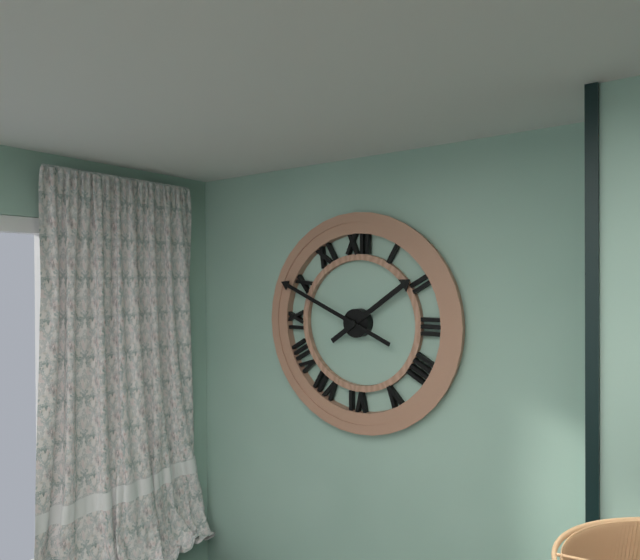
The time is 1h49
